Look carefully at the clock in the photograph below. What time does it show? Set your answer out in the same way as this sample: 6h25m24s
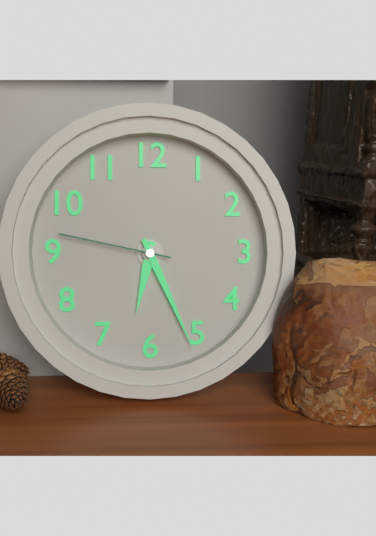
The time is 6h26m47s
